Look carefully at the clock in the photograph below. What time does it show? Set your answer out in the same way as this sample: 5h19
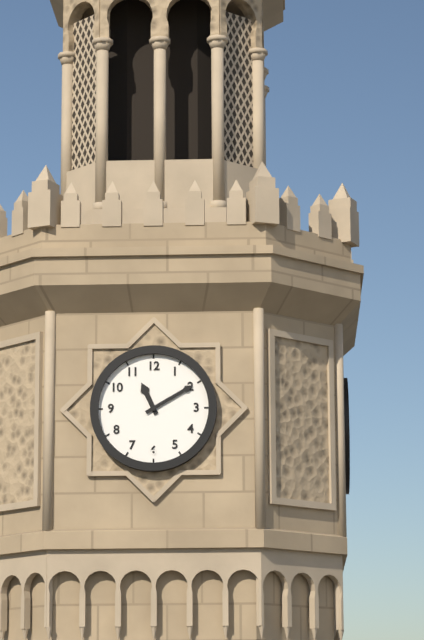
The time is 11h10
